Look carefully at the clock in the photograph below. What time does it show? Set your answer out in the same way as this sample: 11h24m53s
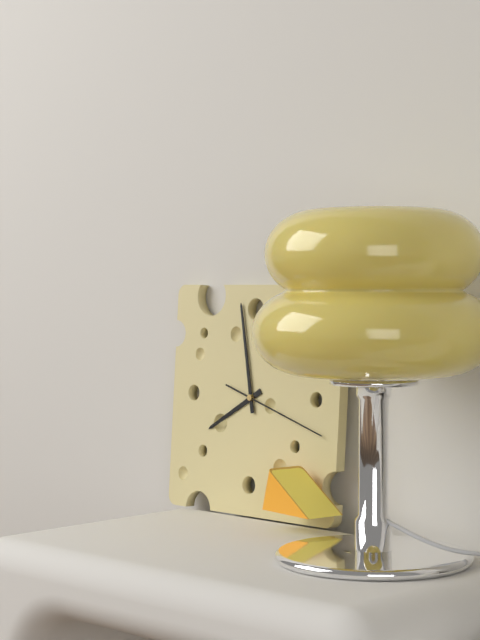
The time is 7h58m18s
